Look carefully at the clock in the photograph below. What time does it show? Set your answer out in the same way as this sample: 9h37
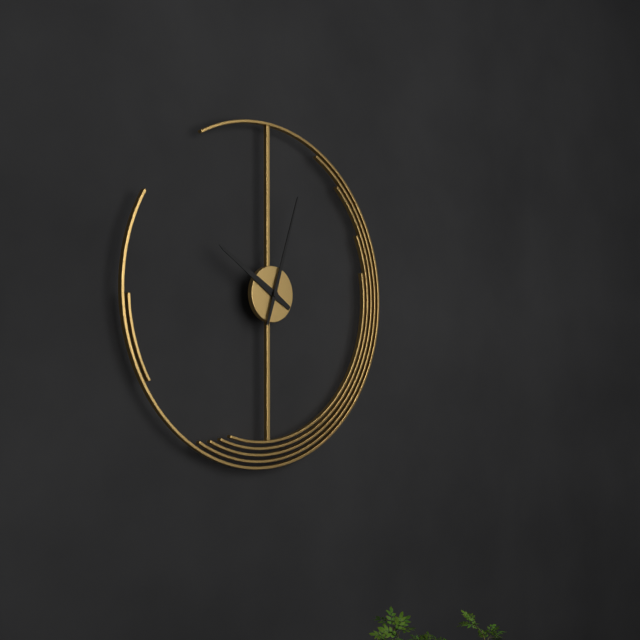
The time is 10h03
